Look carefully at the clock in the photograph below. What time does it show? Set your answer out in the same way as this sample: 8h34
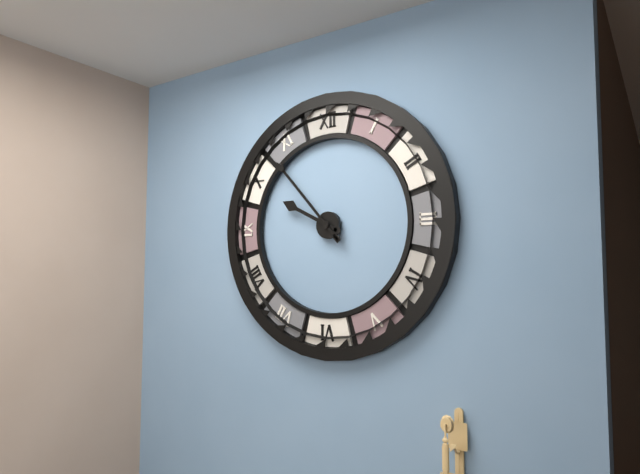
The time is 9h53
